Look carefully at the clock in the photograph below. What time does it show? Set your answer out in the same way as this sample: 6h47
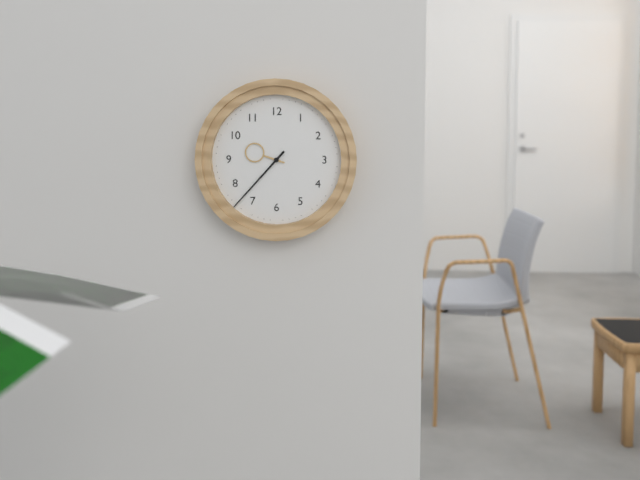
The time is 9h37
